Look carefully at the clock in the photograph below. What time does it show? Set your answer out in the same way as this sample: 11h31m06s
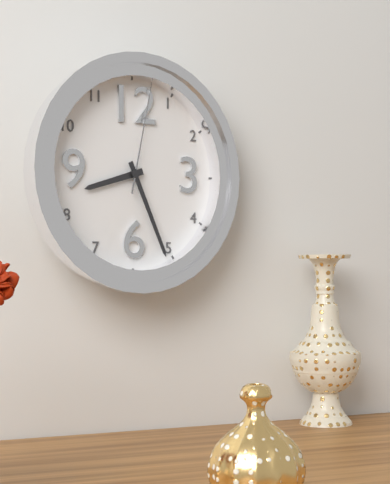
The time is 8h26m02s
